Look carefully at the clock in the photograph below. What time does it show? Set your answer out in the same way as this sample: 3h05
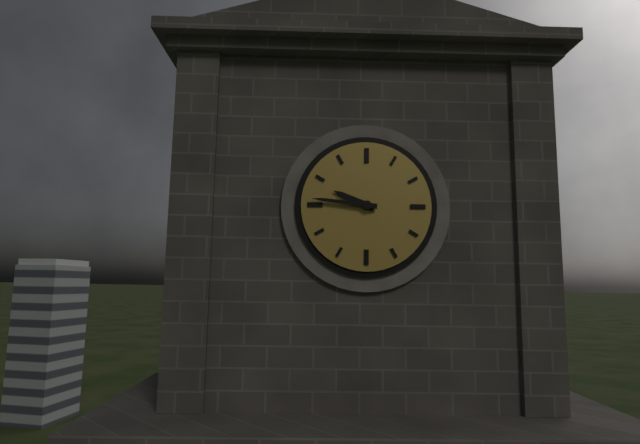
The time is 9h46
